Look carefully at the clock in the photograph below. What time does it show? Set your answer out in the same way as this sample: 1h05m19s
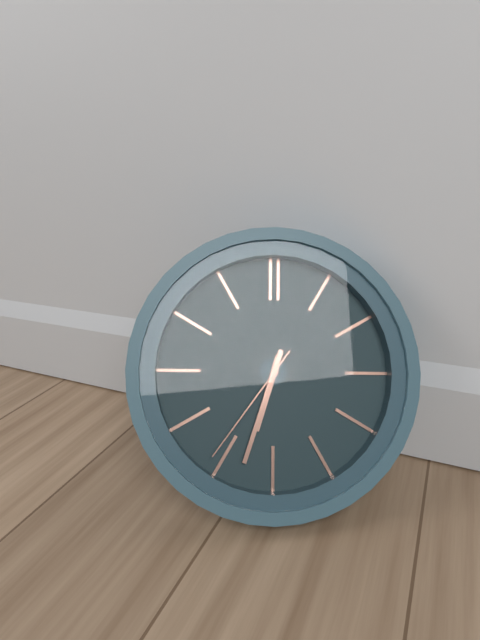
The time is 6h33m36s
